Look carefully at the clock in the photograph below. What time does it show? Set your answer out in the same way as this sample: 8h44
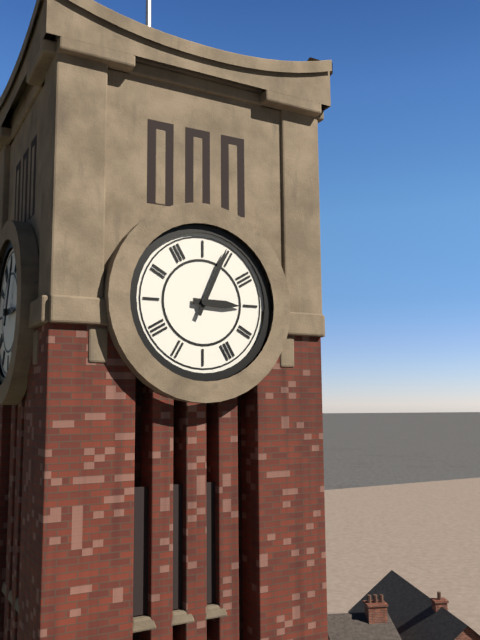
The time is 3h04
